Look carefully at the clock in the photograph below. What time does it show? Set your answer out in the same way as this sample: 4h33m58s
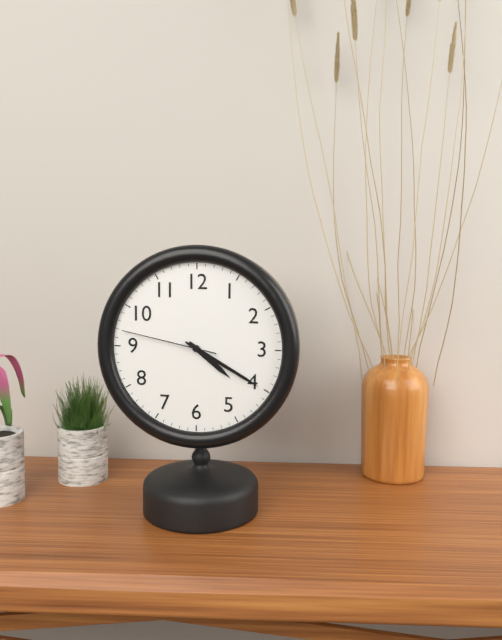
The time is 4h20m47s
